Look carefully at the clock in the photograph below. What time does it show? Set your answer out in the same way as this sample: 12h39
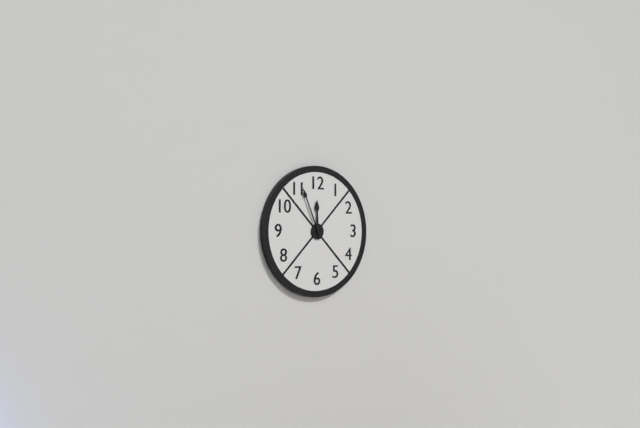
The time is 11h56
